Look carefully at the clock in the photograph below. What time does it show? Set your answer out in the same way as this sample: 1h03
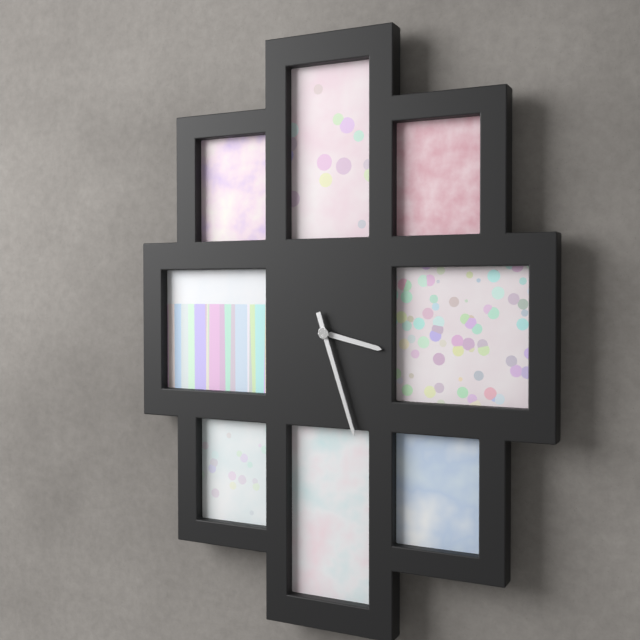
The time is 3h27
